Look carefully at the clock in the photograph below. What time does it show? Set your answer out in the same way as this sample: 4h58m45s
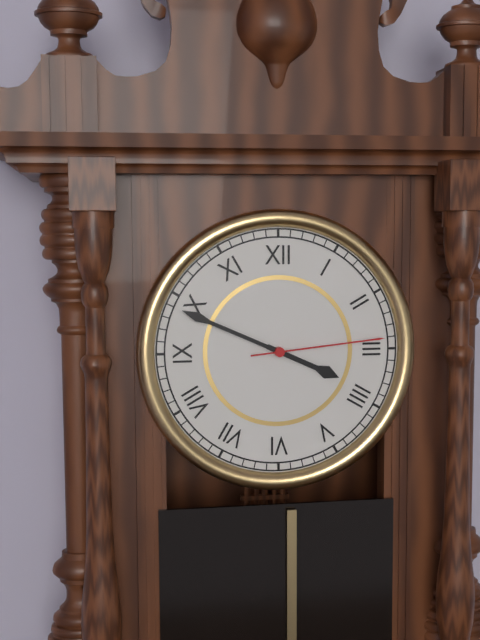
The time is 3h49m14s
